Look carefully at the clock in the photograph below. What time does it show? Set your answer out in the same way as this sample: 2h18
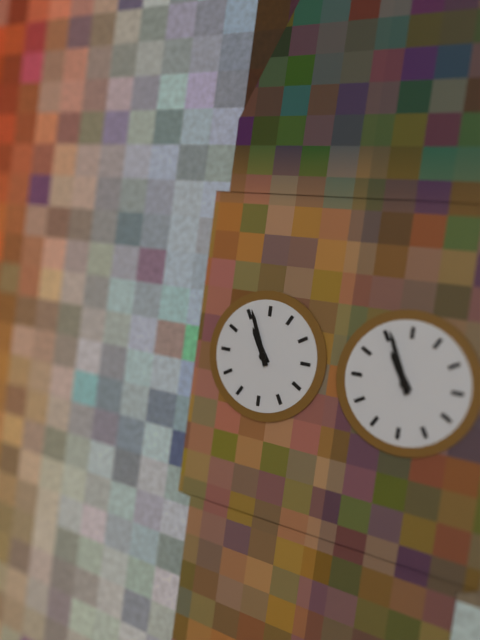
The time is 10h56
